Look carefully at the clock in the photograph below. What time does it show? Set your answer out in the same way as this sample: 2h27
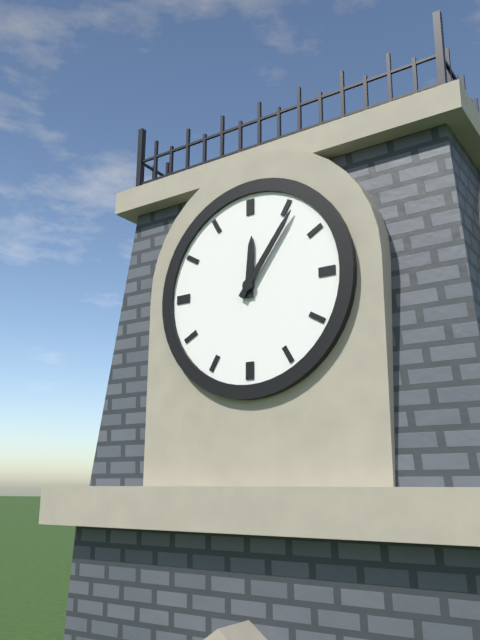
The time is 12h06
